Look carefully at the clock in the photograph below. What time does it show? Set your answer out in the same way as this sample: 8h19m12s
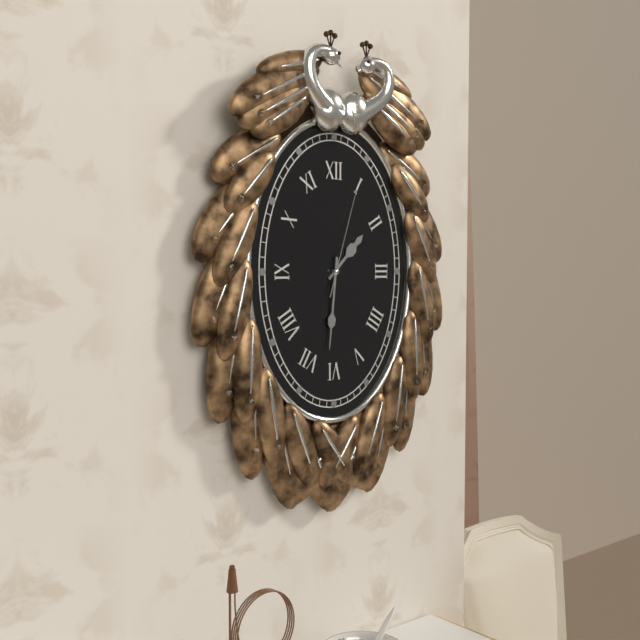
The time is 1h31m03s
